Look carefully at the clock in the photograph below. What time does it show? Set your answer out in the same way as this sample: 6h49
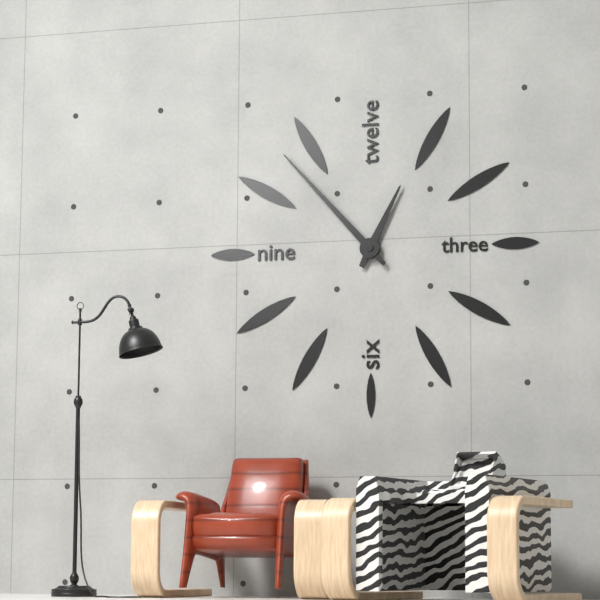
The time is 12h53
